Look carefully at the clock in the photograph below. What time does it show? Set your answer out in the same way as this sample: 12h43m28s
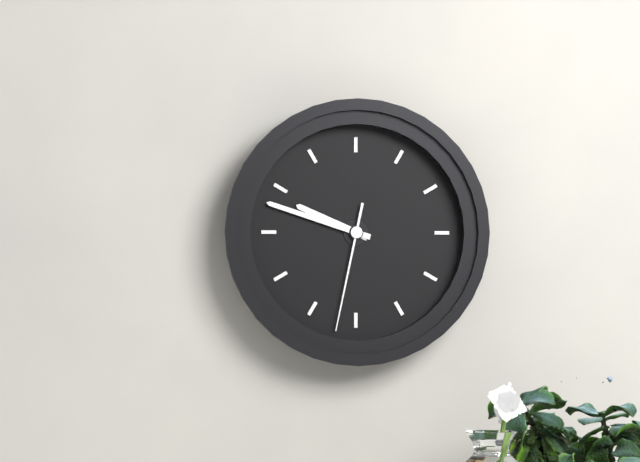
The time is 9h48m32s
